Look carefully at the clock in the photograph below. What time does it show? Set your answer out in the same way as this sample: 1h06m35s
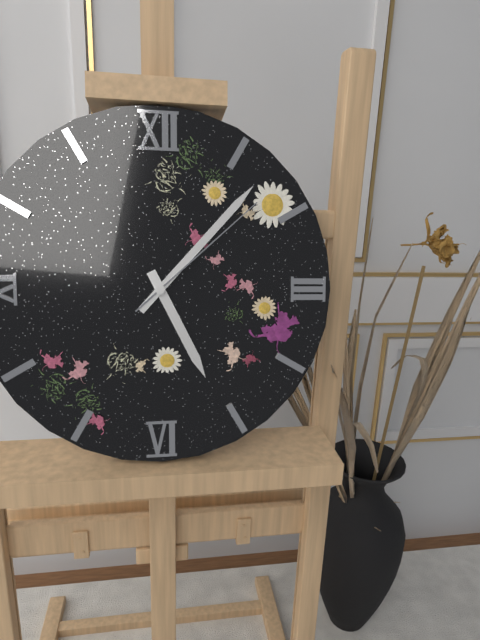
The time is 5h07m08s
